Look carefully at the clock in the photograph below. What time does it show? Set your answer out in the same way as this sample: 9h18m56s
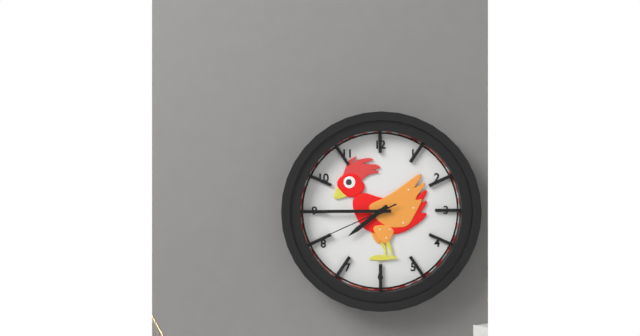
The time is 7h45m41s
